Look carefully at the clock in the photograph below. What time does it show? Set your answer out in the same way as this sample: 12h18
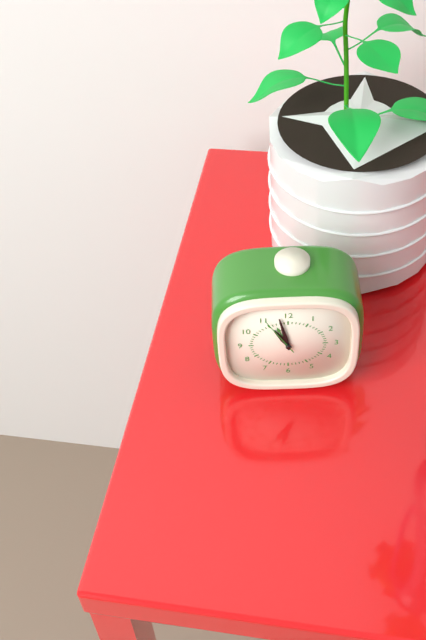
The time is 10h58
